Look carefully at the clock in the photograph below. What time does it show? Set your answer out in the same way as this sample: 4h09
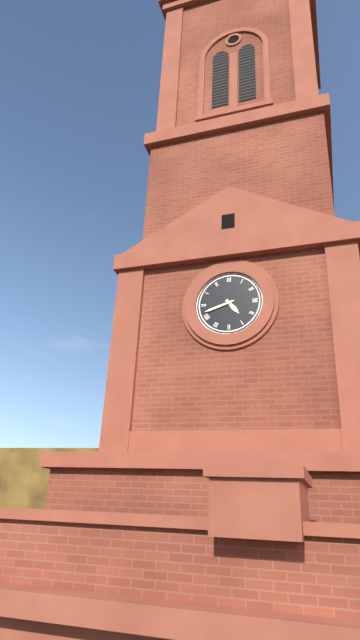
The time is 4h42
